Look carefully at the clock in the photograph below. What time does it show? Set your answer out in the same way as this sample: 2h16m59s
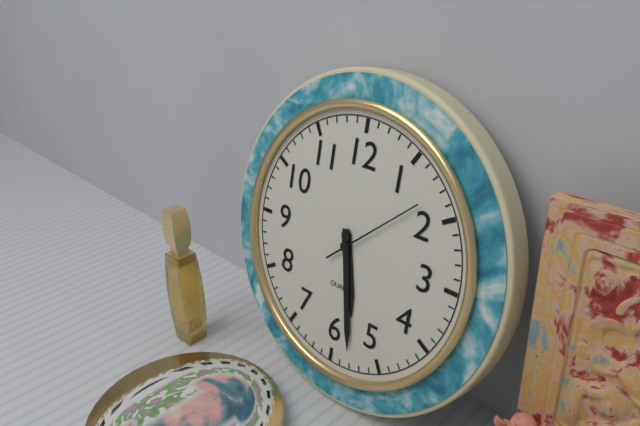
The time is 5h28m08s
